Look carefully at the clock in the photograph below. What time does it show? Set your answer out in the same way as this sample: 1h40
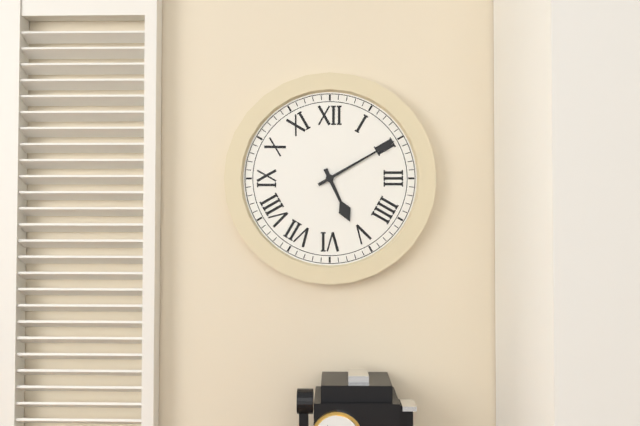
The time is 5h10
